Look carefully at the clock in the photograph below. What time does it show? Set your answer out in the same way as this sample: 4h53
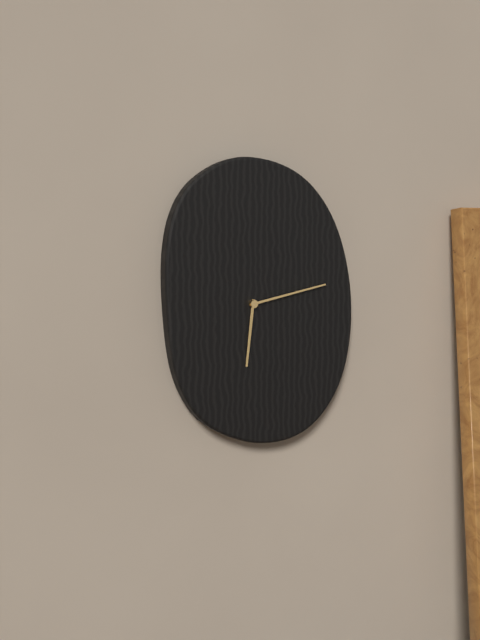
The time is 6h13
